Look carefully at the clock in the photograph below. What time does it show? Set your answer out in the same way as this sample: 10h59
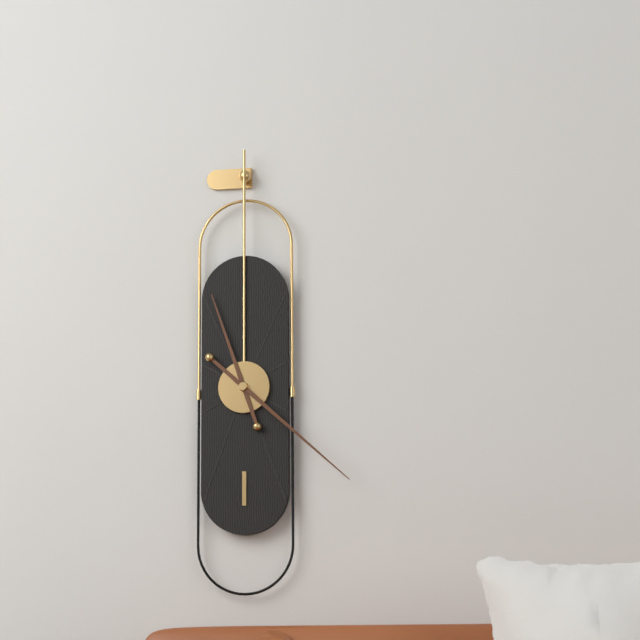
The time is 11h22
